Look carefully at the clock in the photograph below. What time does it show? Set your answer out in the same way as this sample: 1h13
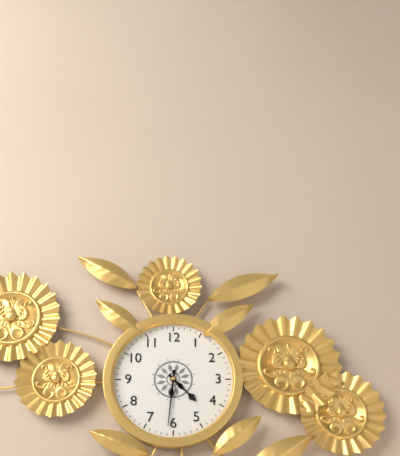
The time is 4h31
